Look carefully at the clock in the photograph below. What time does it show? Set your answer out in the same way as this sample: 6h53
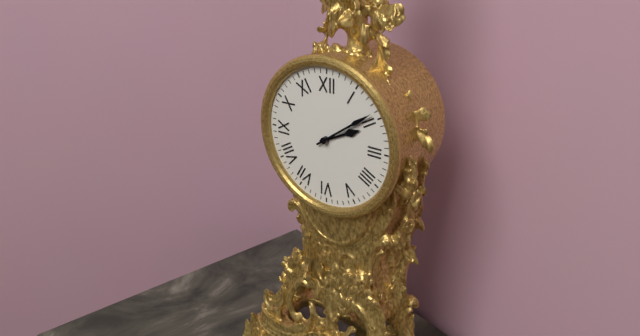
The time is 2h09
